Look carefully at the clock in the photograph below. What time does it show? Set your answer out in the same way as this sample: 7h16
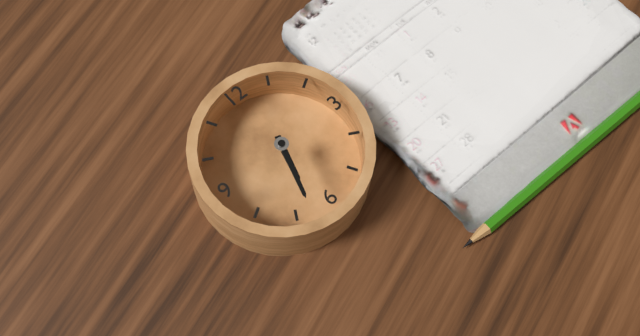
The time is 6h33
